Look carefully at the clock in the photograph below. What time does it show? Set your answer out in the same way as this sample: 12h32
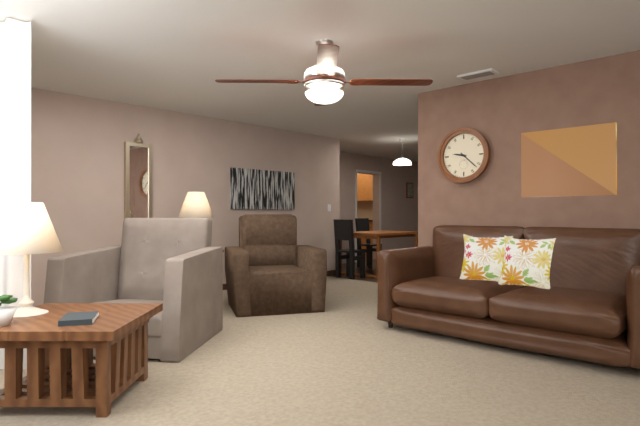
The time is 9h22
